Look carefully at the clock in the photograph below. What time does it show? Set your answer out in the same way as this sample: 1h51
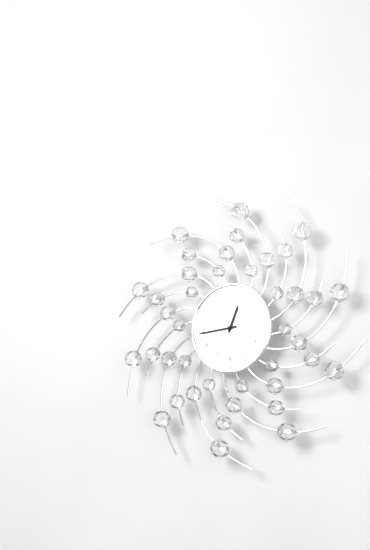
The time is 12h44
